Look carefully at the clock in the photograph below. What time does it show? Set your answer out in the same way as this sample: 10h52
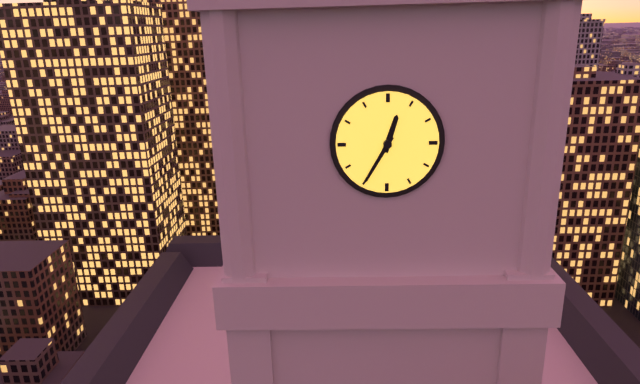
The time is 12h35
